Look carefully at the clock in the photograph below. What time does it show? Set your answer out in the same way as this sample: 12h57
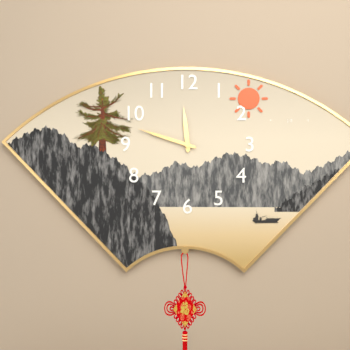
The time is 11h48
